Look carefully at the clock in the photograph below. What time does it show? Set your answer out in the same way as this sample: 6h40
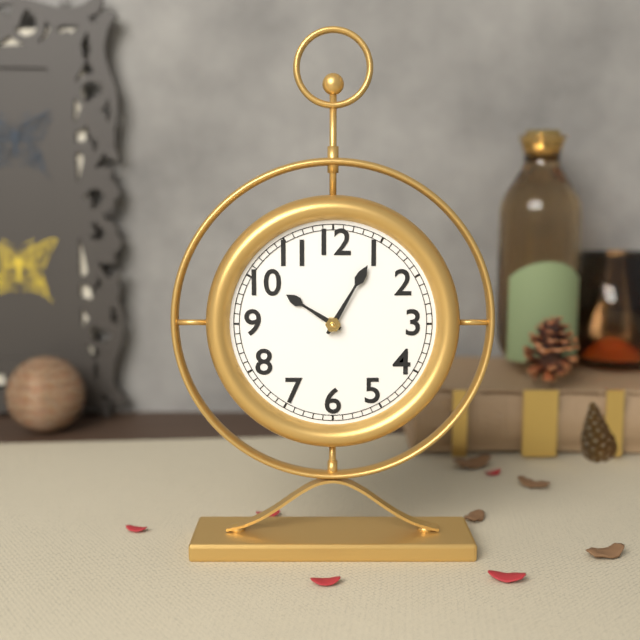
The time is 10h05
